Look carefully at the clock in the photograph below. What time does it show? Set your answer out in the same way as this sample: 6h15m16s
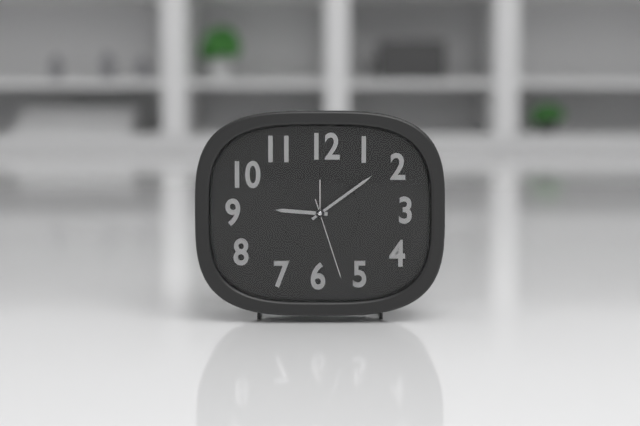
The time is 9h09m27s
